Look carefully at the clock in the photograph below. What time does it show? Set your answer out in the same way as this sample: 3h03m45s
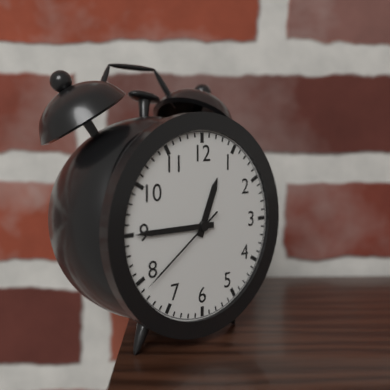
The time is 12h45m39s
